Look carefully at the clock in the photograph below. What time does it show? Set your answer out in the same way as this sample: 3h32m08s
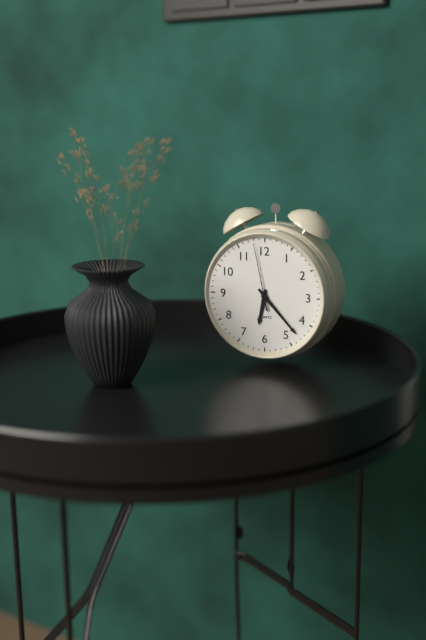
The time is 6h23m58s
